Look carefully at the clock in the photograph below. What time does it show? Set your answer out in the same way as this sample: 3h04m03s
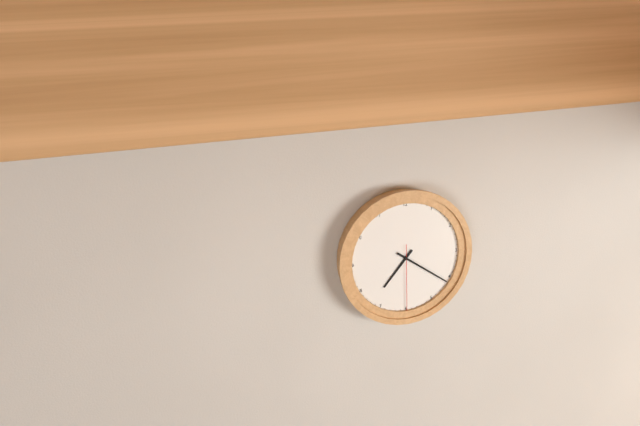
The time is 7h21m30s
